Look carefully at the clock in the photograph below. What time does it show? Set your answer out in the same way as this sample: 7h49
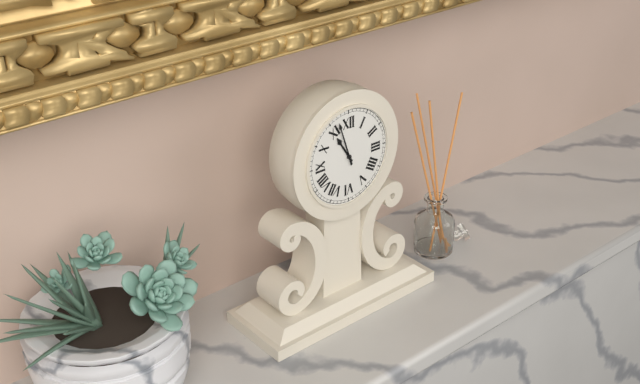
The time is 10h57
